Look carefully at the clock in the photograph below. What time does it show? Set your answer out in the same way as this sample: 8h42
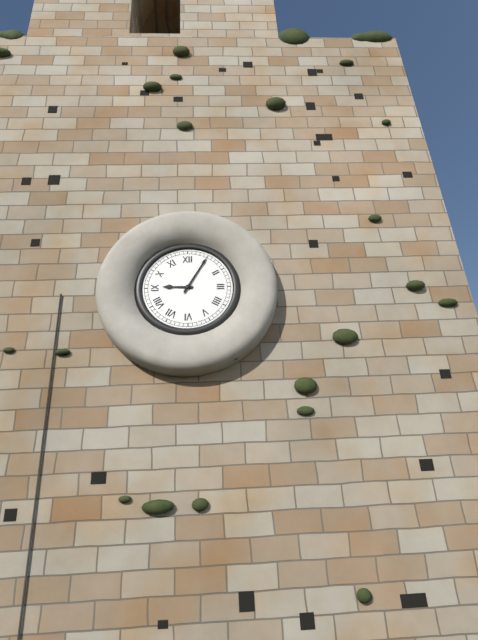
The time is 9h05
